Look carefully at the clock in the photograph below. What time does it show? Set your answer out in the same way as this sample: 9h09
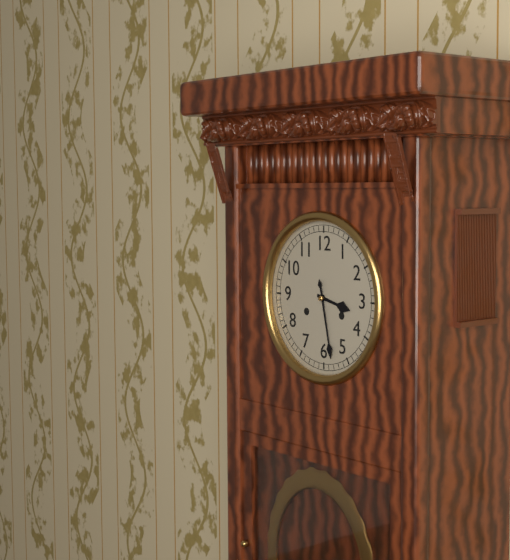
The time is 3h28
